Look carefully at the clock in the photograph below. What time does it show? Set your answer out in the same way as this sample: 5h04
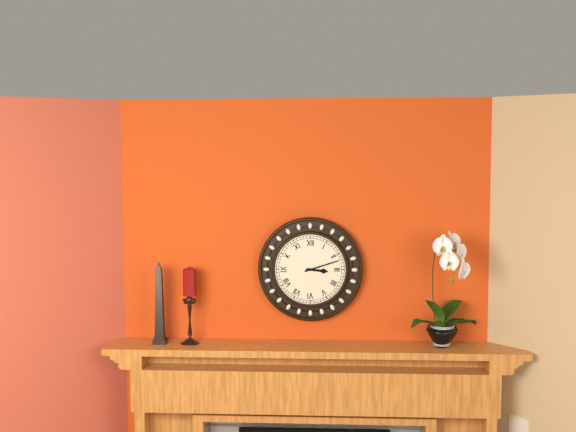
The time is 3h12
